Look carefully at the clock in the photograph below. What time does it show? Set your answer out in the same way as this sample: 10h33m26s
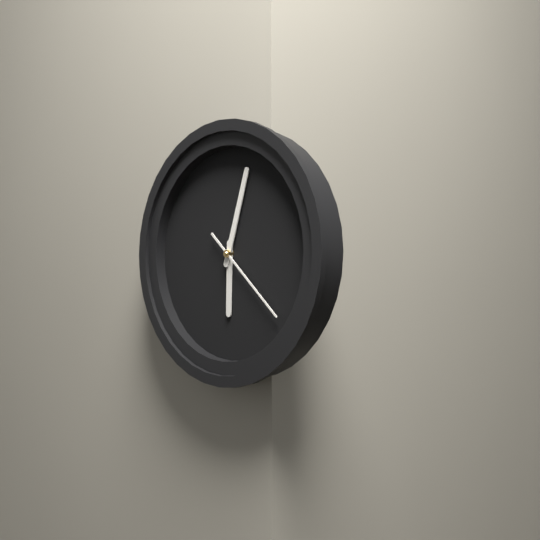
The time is 6h03m22s
